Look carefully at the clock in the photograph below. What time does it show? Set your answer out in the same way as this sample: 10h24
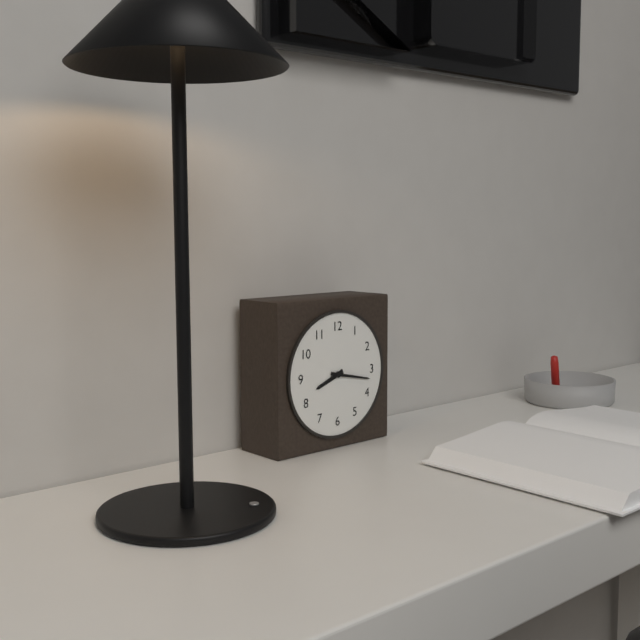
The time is 8h17
